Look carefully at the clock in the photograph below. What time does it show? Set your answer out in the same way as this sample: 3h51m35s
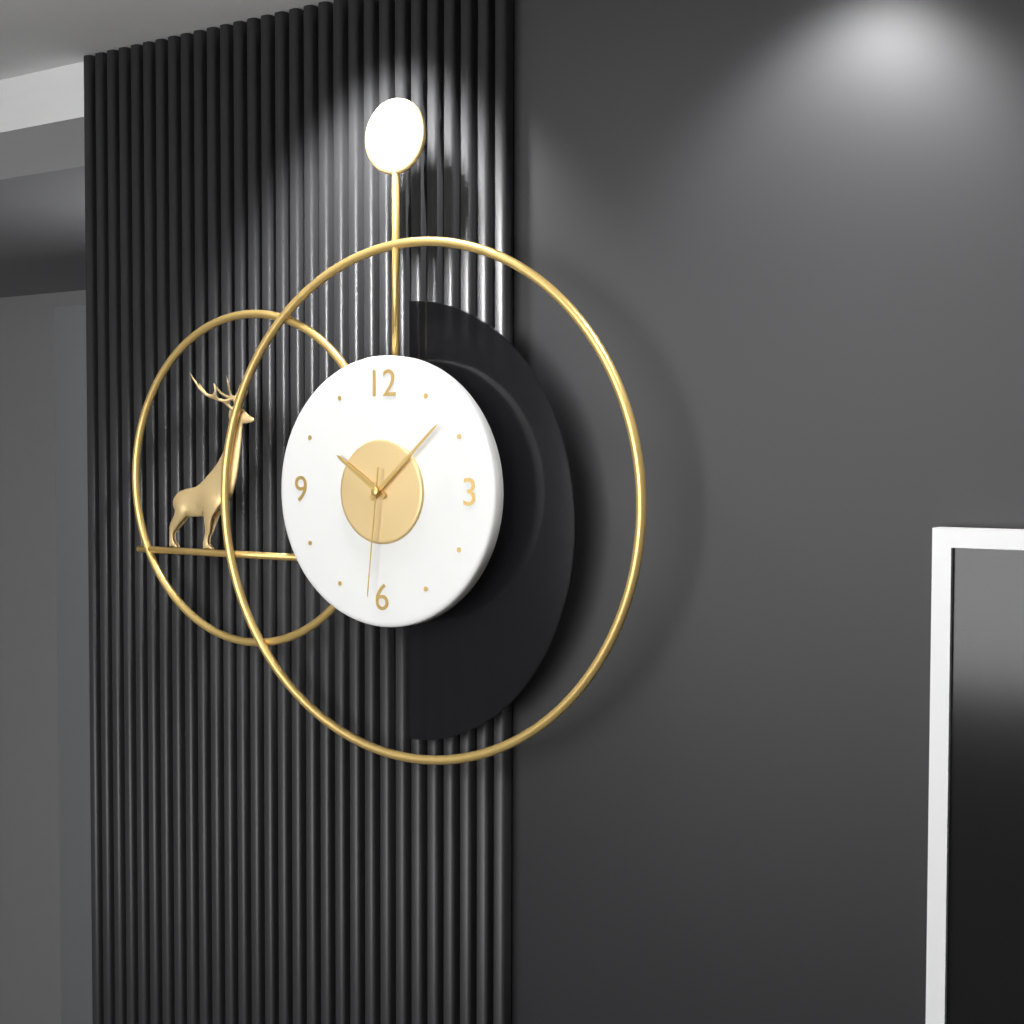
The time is 10h08m31s
